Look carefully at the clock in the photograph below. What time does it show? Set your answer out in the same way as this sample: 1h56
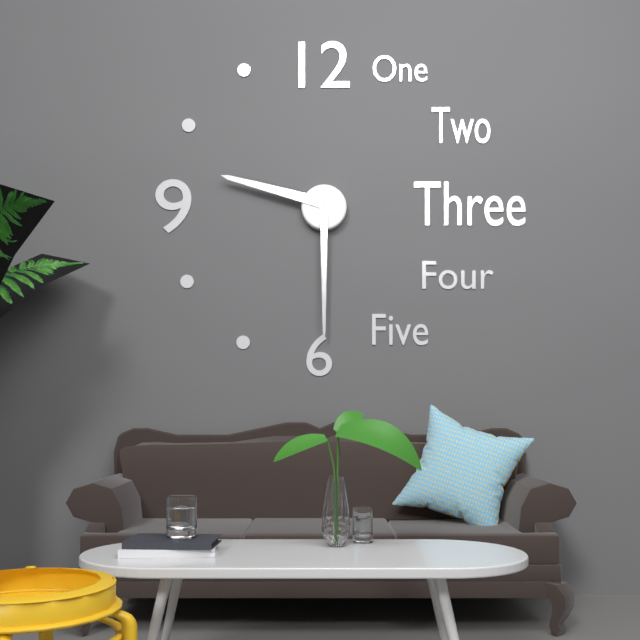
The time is 9h30
